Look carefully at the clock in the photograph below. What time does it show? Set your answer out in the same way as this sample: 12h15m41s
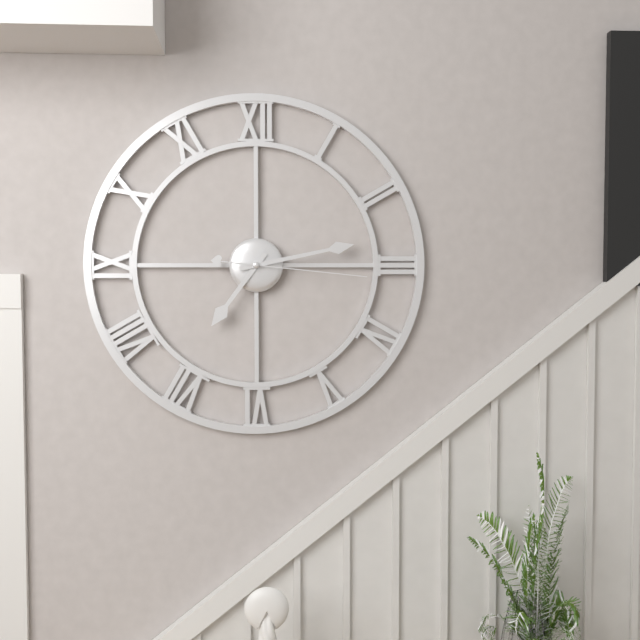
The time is 7h13m16s
